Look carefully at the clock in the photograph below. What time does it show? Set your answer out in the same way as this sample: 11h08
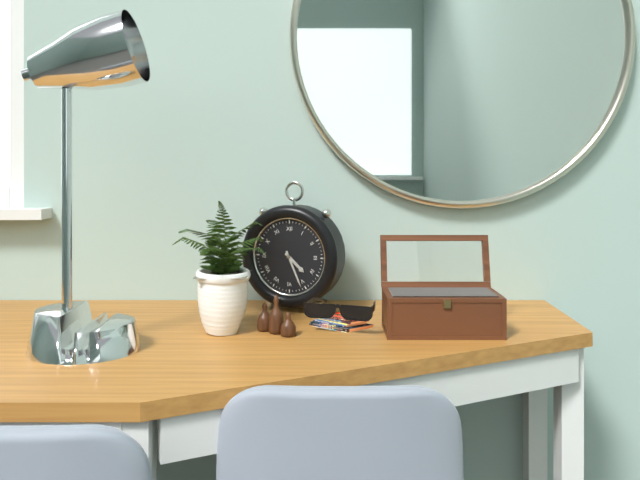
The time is 4h26
